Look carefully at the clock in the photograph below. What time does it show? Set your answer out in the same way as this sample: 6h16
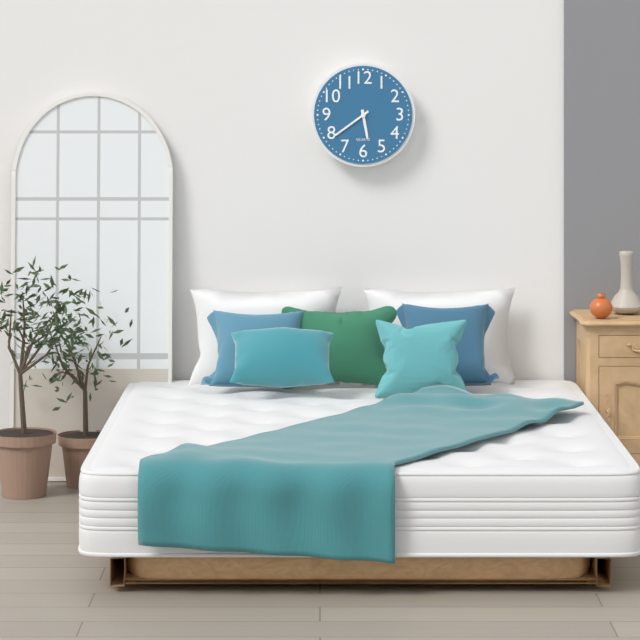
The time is 5h39
